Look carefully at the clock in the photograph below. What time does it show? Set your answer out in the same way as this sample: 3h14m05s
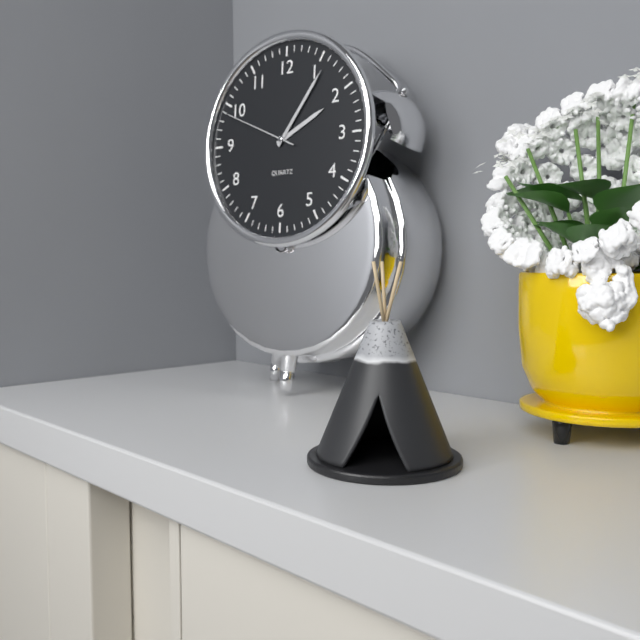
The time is 2h06m49s
